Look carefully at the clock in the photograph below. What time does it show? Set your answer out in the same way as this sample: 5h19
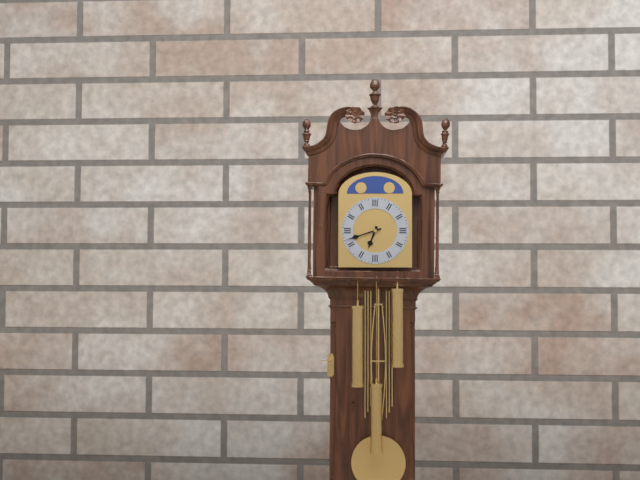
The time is 6h42
